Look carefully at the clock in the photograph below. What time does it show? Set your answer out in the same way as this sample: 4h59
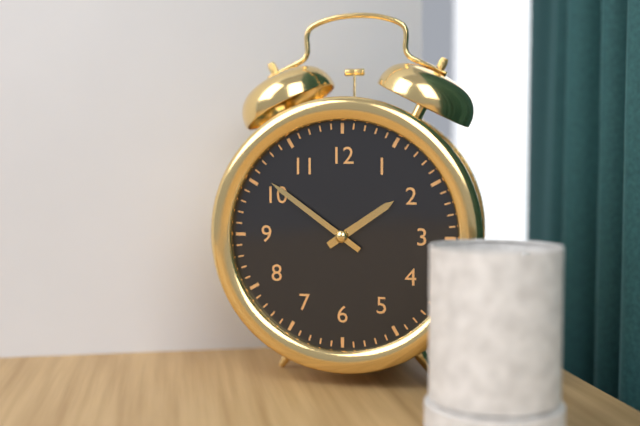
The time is 1h51
